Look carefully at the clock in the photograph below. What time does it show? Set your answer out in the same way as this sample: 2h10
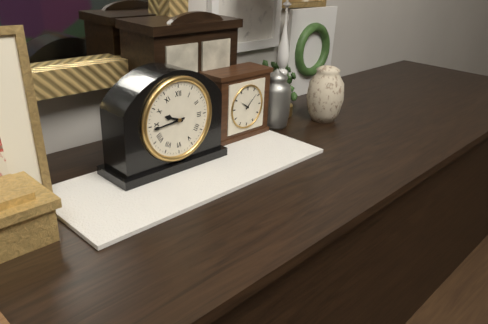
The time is 9h44
